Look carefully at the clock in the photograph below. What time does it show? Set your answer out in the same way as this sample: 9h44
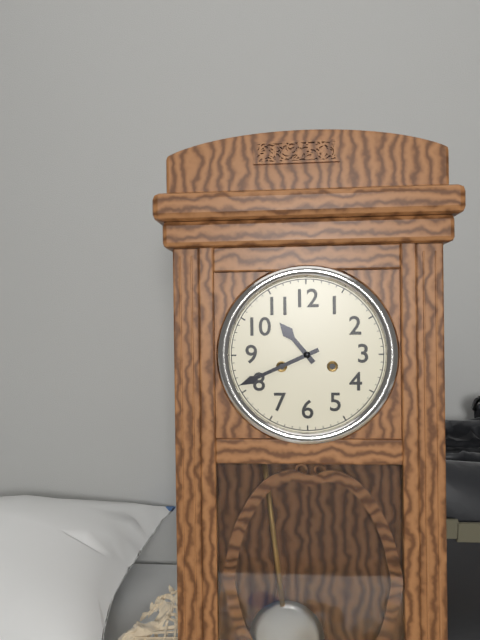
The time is 10h41
